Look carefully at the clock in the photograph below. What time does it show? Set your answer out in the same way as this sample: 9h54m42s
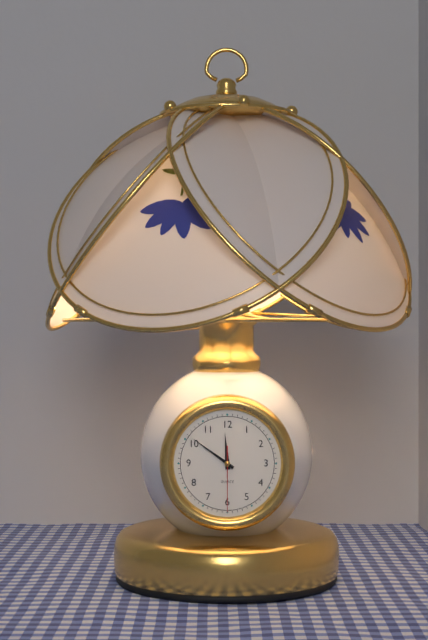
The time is 11h51m30s
